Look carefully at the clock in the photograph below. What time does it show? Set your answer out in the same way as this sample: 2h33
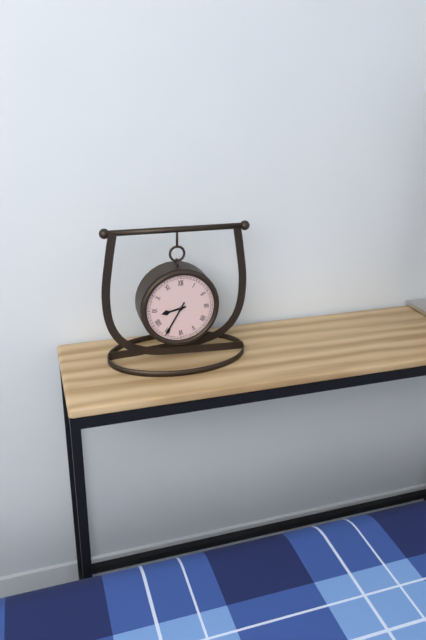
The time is 8h35
